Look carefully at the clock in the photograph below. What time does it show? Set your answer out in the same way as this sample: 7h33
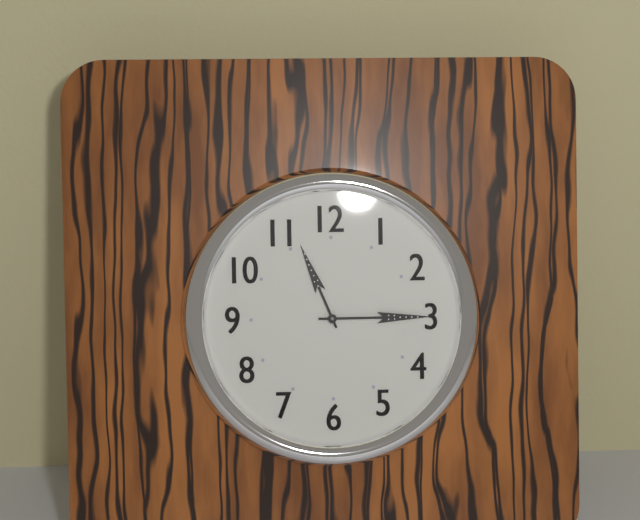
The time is 11h15
